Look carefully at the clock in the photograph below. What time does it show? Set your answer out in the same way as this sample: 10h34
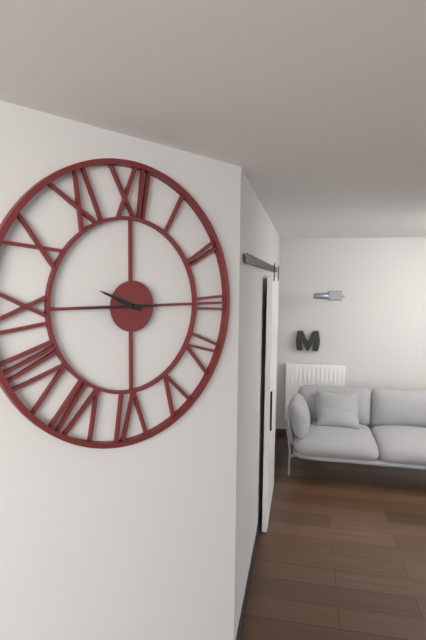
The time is 9h45
